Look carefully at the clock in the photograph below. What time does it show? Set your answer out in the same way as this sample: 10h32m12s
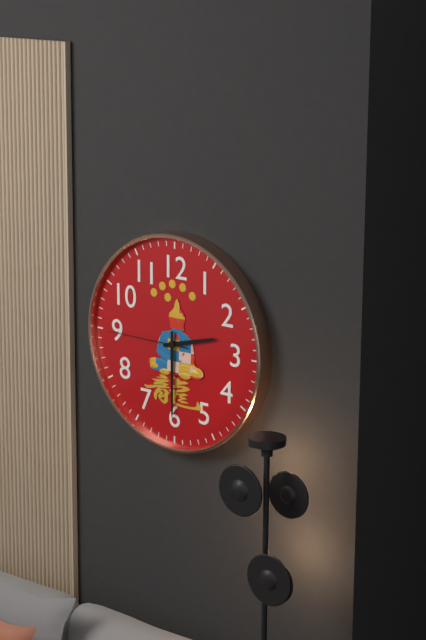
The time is 2h30m45s
